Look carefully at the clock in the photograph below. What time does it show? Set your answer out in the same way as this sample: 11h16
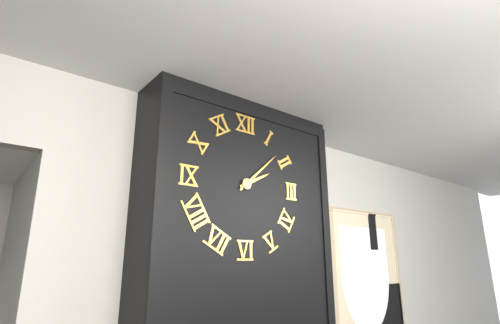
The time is 2h08
